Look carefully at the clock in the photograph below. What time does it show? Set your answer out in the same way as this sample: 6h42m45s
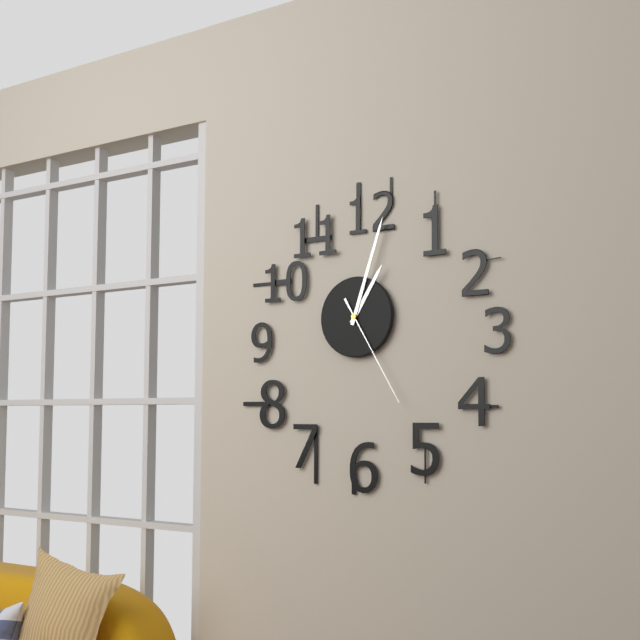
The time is 1h03m25s
